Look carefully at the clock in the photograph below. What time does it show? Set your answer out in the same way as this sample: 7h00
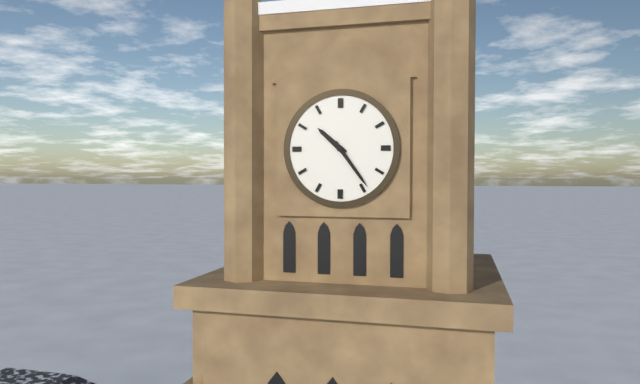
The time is 10h24
